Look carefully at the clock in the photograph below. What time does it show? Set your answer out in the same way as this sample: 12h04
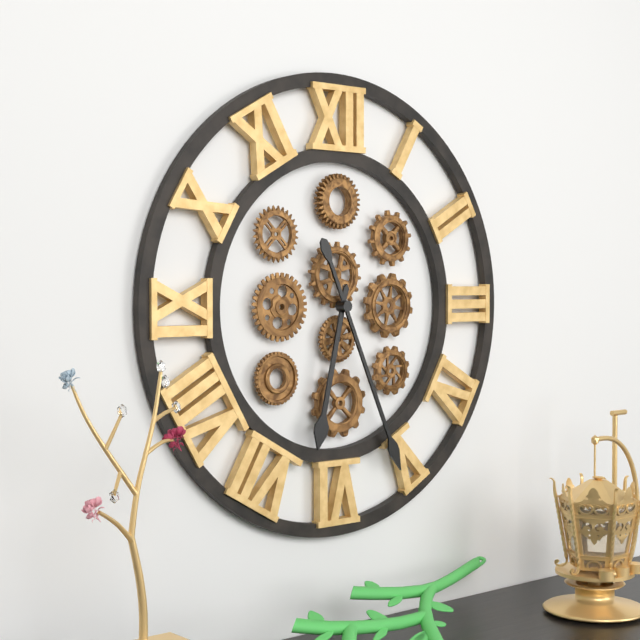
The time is 6h26
